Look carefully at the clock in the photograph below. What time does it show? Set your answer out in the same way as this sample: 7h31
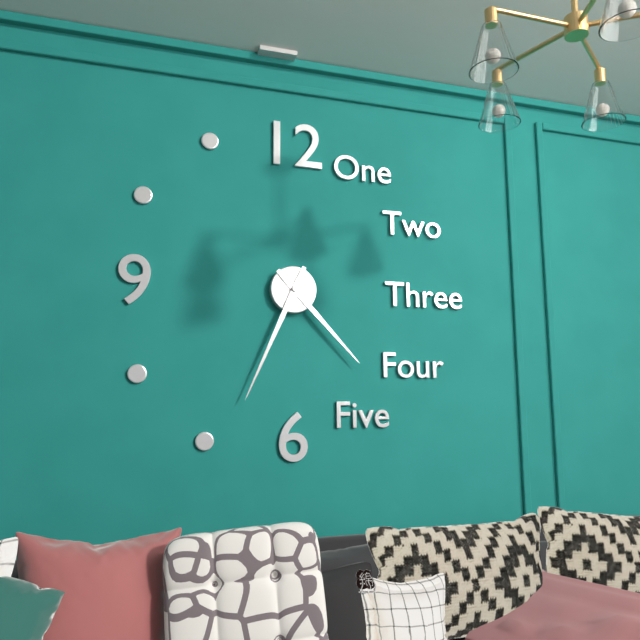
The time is 4h34
